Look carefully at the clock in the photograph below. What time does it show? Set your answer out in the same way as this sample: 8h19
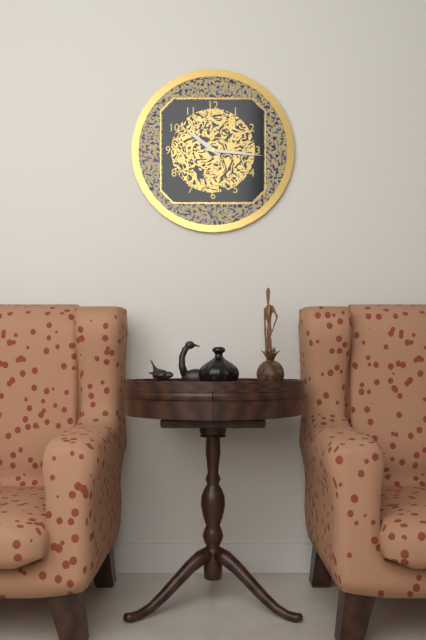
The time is 10h16
